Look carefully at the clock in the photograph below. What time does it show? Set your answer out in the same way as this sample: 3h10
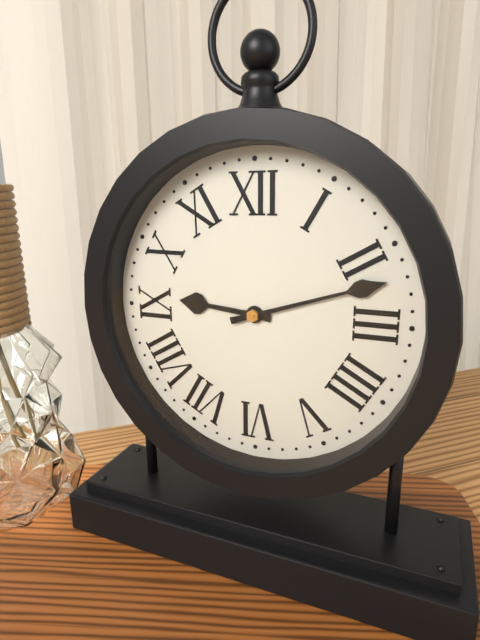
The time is 9h12
